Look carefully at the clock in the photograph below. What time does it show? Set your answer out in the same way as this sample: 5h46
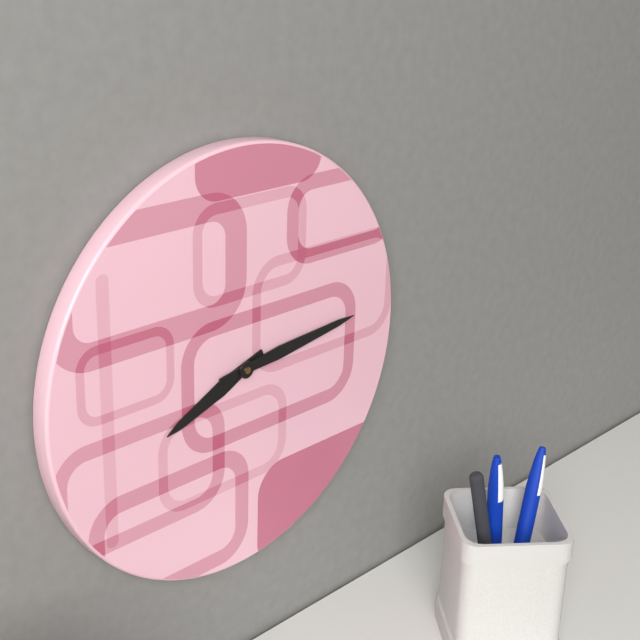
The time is 8h14
